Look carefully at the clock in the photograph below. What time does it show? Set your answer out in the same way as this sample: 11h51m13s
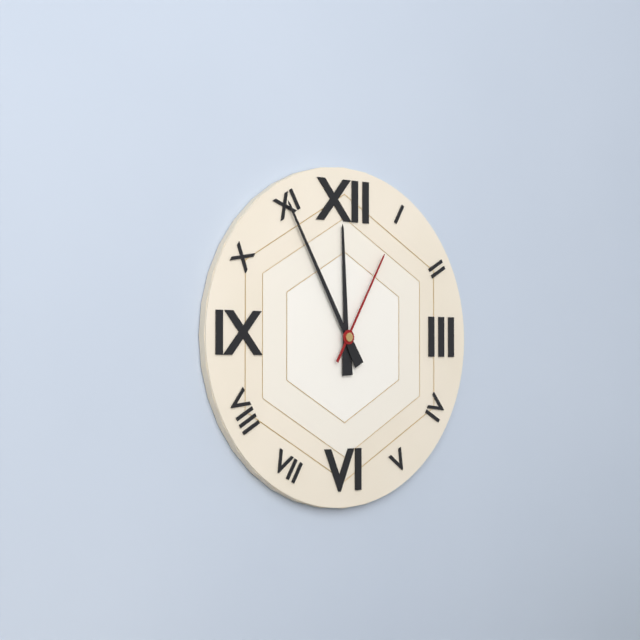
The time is 11h55m05s
